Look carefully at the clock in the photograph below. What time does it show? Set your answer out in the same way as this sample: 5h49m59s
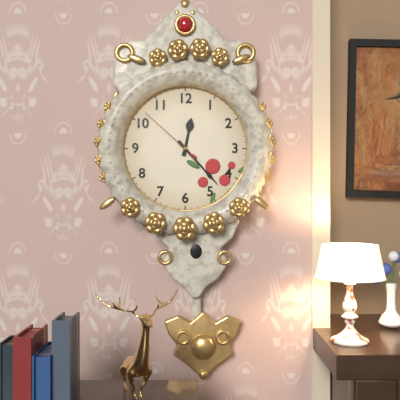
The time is 12h23m52s
